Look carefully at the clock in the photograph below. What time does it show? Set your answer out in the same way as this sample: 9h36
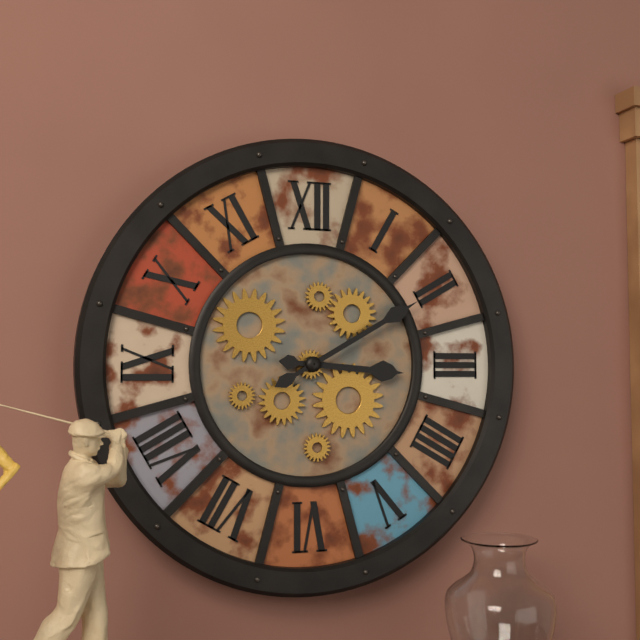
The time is 3h10
